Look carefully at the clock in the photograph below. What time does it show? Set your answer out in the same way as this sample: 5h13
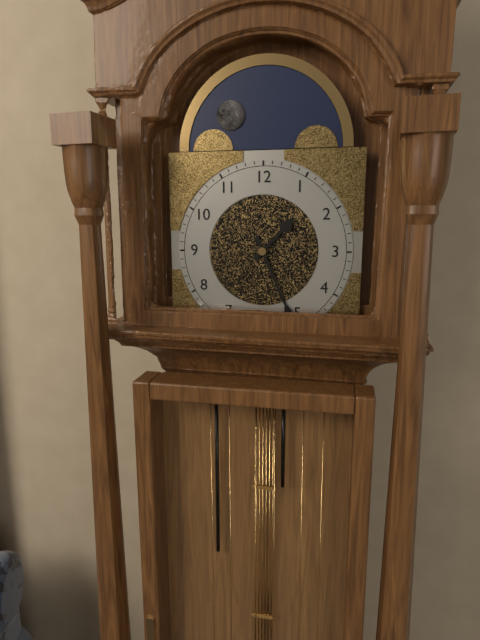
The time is 1h26
